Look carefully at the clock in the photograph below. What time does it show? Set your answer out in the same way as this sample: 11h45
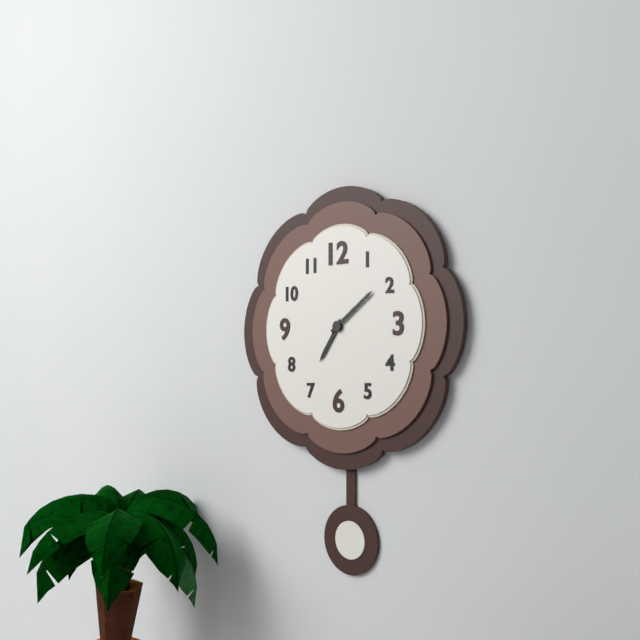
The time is 7h09
